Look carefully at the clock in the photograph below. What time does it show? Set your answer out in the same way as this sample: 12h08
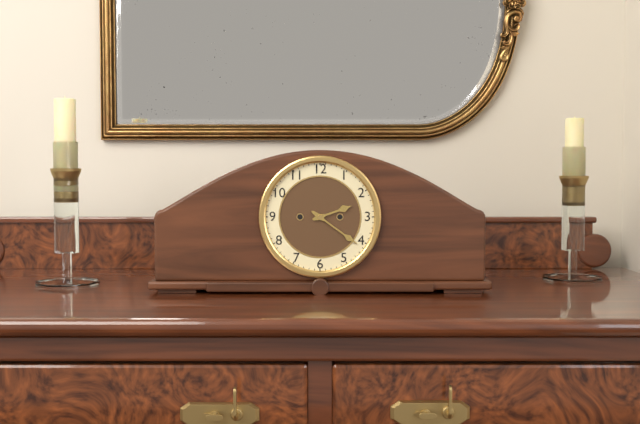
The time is 2h21
